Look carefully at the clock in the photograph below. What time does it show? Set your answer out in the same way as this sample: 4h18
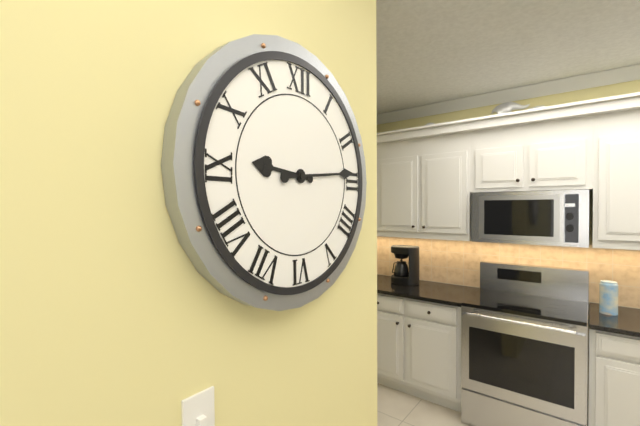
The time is 9h14
